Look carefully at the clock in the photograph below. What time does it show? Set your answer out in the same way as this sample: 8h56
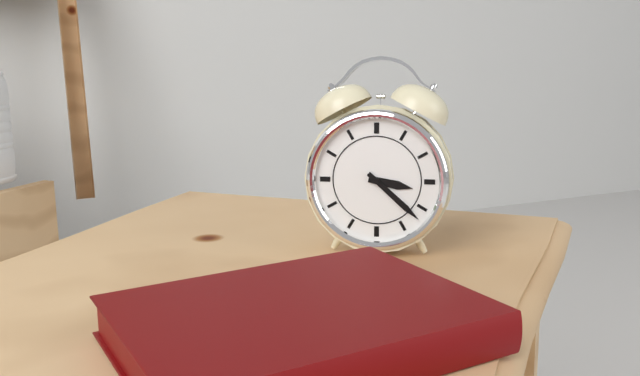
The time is 3h22
